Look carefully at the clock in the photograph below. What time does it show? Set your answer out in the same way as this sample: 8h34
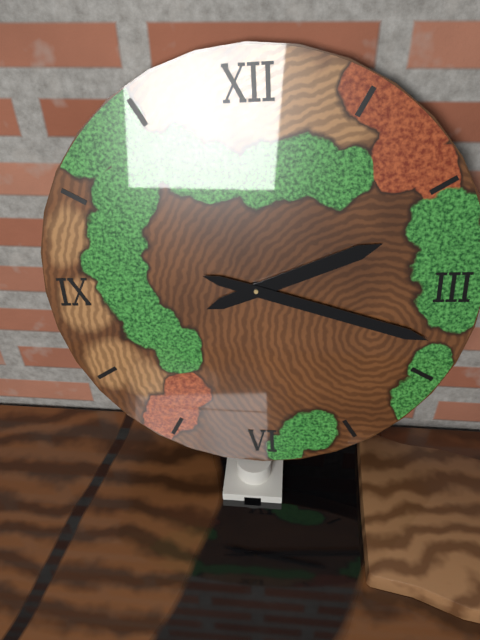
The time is 2h18
